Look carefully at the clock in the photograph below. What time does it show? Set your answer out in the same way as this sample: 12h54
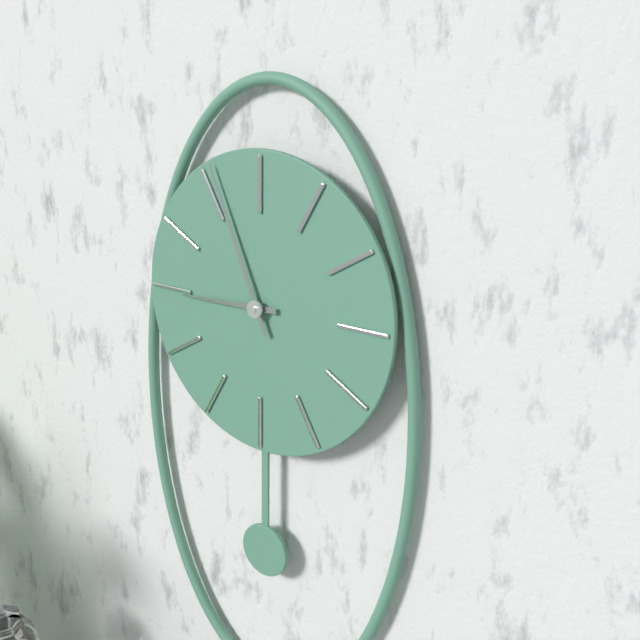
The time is 8h56
